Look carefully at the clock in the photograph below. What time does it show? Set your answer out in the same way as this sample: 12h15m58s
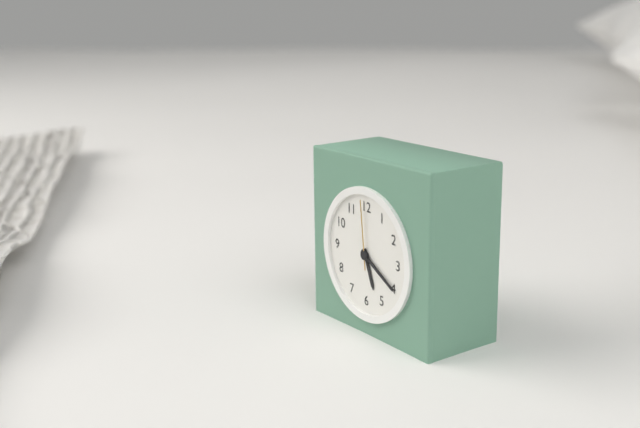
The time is 5h20m59s
